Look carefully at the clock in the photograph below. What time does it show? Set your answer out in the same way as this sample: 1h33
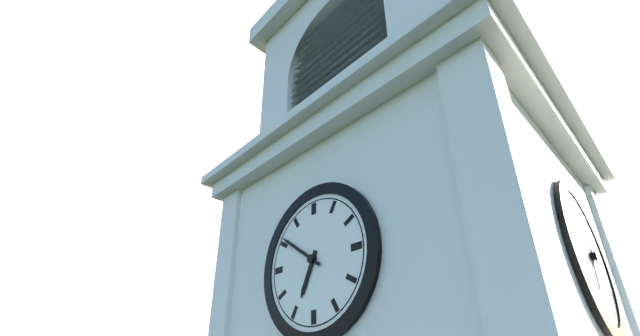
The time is 6h51
